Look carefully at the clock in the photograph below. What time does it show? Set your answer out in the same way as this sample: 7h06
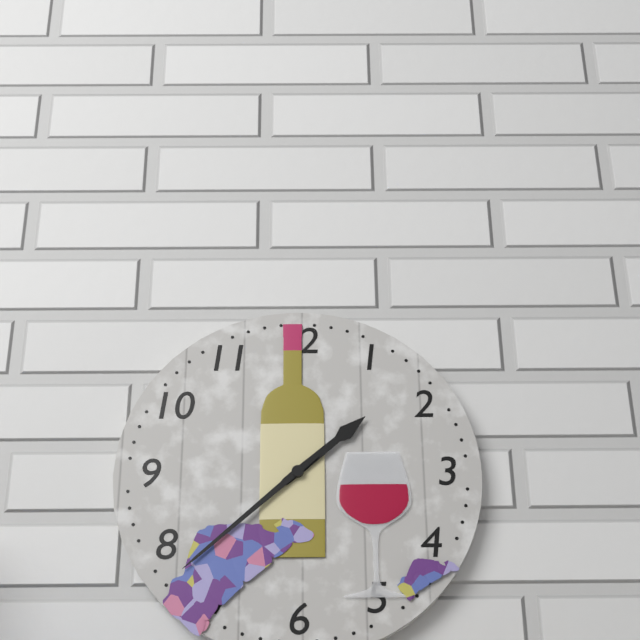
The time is 1h38
